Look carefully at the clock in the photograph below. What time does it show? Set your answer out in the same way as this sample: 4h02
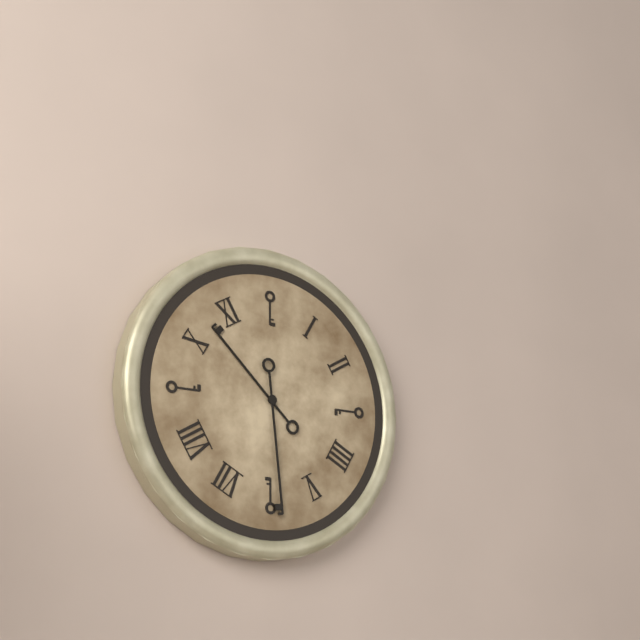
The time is 10h29
